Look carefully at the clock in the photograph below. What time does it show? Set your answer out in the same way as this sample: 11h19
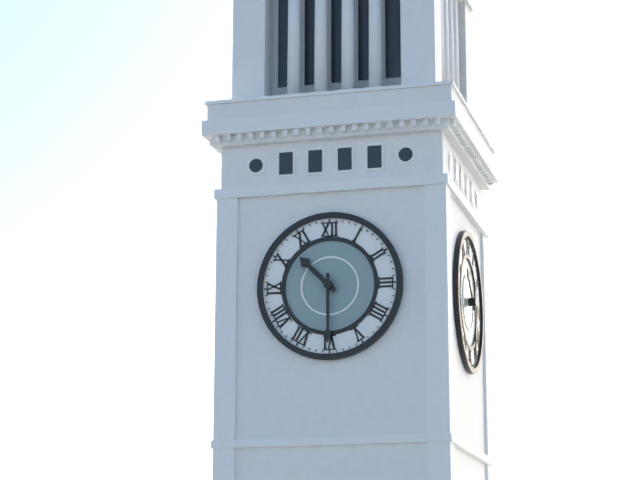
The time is 10h30
